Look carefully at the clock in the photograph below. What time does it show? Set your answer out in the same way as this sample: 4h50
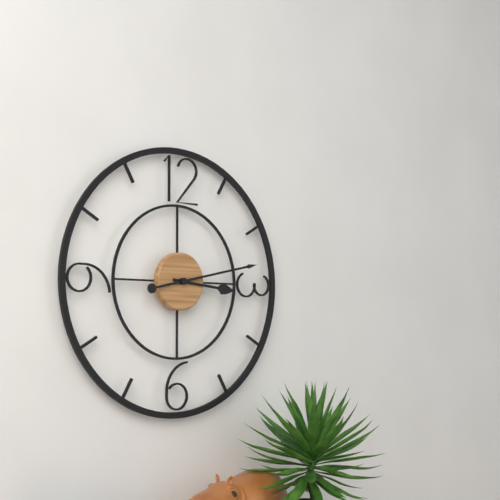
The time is 3h13
